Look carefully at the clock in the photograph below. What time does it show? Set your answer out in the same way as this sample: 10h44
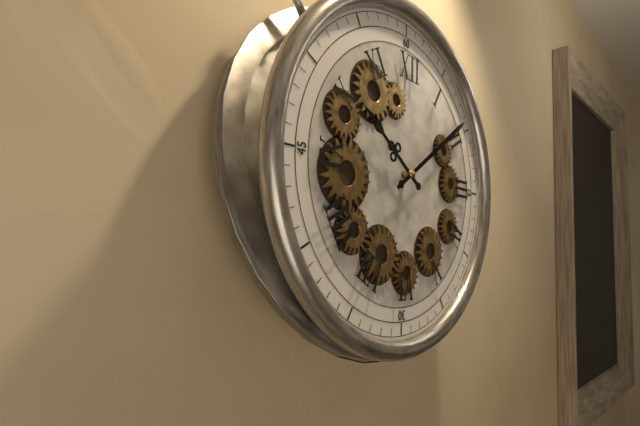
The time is 10h09
